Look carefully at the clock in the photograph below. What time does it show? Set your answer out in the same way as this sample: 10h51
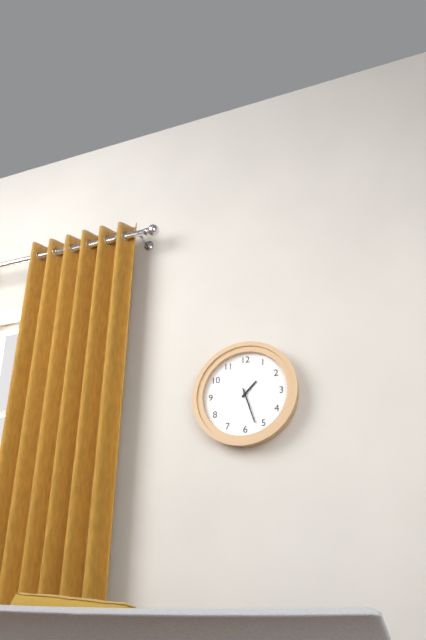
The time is 1h27
